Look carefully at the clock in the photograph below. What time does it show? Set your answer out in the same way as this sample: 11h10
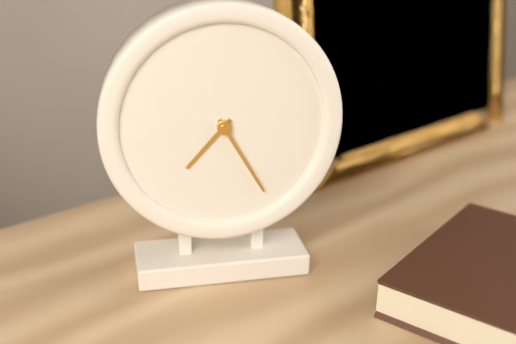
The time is 7h25
